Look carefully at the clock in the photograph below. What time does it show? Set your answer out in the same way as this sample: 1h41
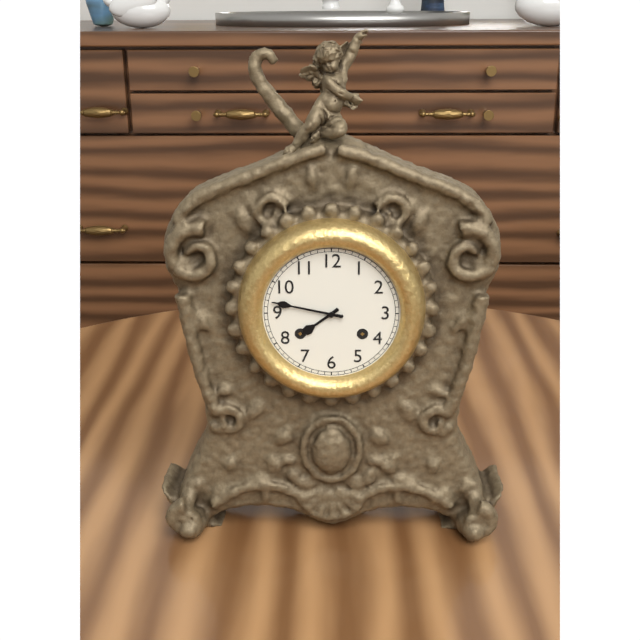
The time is 7h47
